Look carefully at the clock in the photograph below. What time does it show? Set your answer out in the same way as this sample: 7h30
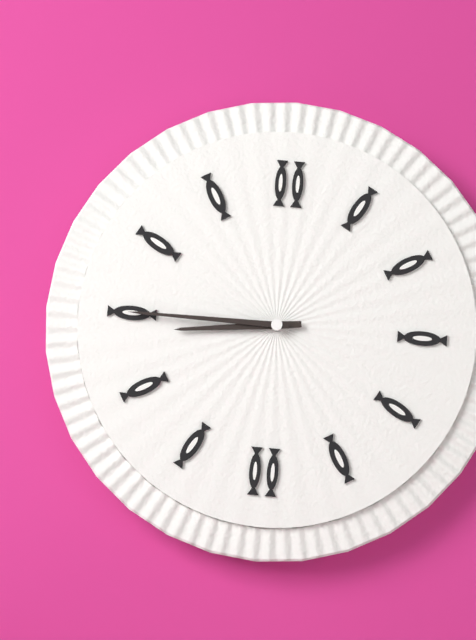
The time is 8h45
